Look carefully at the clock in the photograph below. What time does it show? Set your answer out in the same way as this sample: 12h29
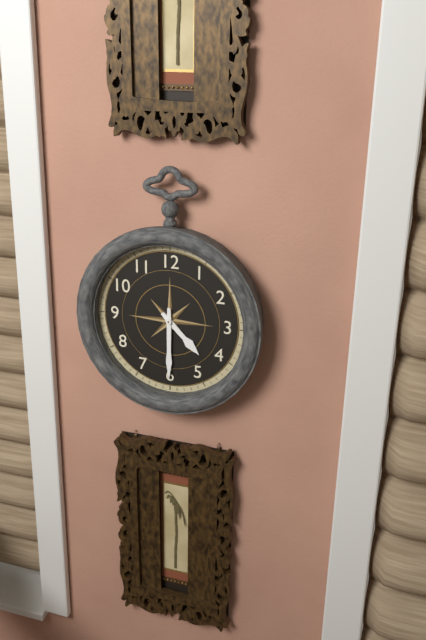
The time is 4h30
